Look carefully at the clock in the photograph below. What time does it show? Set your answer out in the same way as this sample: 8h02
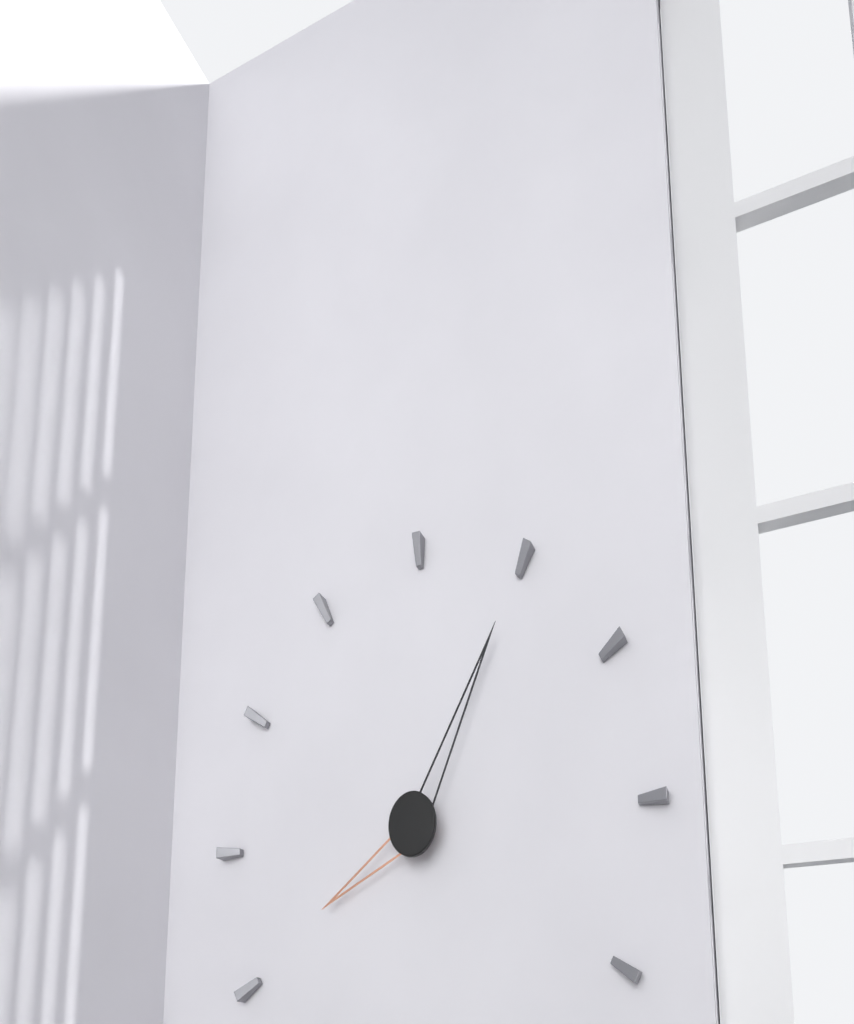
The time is 8h05
